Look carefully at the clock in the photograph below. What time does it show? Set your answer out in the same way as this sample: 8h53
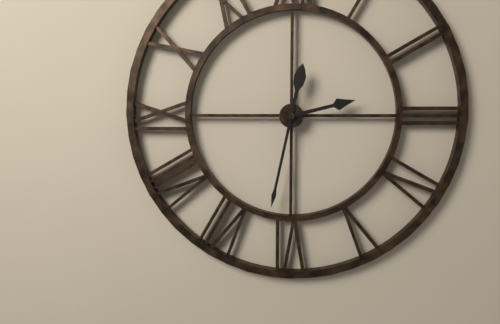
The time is 2h32
